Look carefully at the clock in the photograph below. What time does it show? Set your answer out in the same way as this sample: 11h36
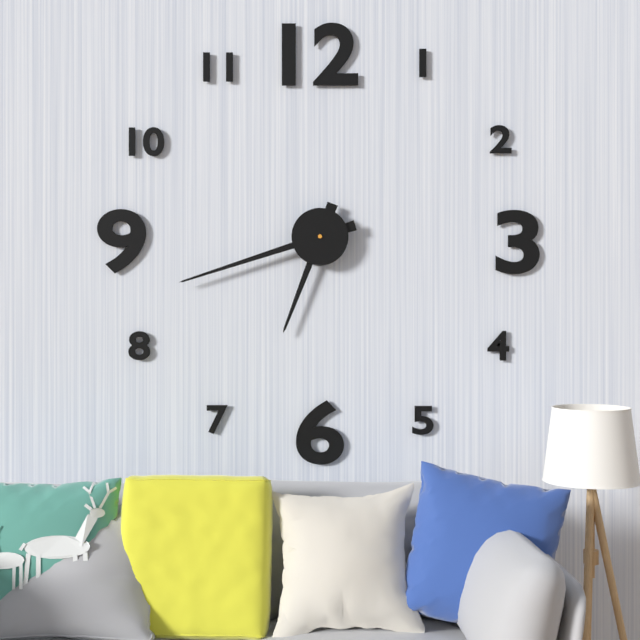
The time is 6h42
